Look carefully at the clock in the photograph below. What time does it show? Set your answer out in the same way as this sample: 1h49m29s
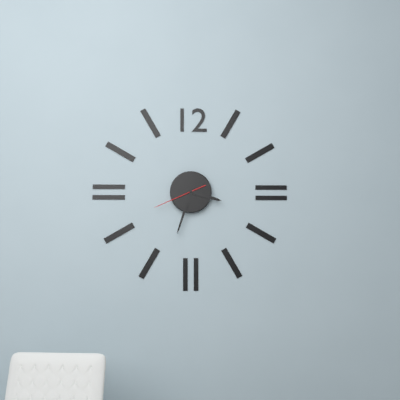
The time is 3h33m41s
